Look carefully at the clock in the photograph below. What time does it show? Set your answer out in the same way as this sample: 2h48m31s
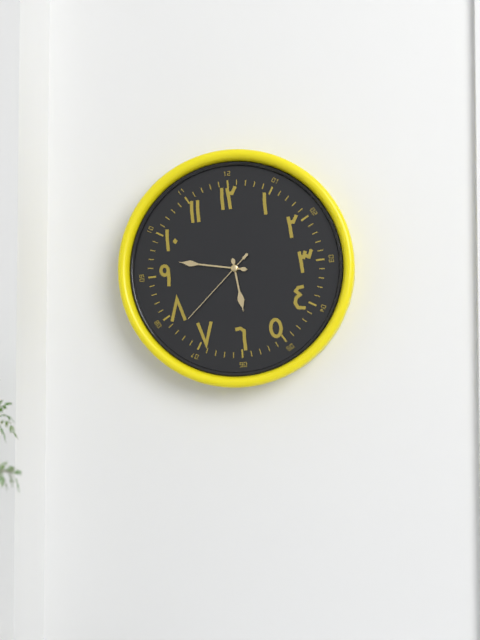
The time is 5h47m38s
